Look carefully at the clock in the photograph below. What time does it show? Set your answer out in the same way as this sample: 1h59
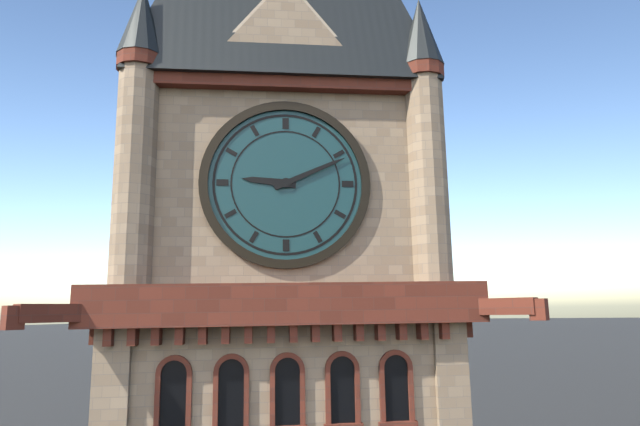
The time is 9h11
